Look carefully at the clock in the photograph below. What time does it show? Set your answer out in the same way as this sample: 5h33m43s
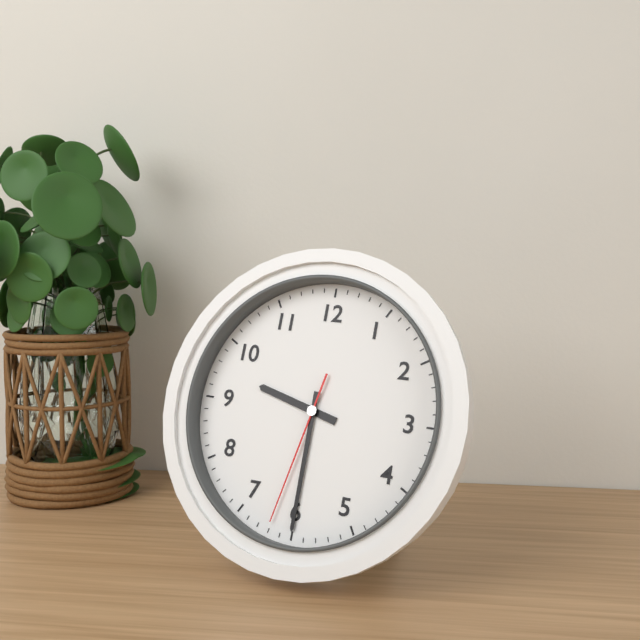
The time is 9h30m32s
